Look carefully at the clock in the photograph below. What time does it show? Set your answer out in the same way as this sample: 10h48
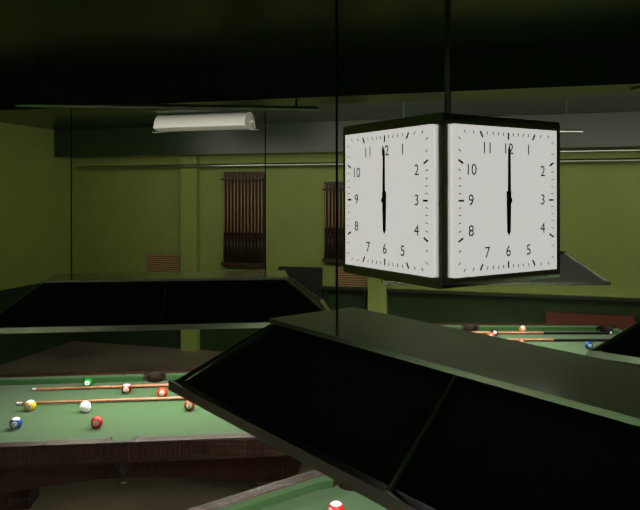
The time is 6h00
